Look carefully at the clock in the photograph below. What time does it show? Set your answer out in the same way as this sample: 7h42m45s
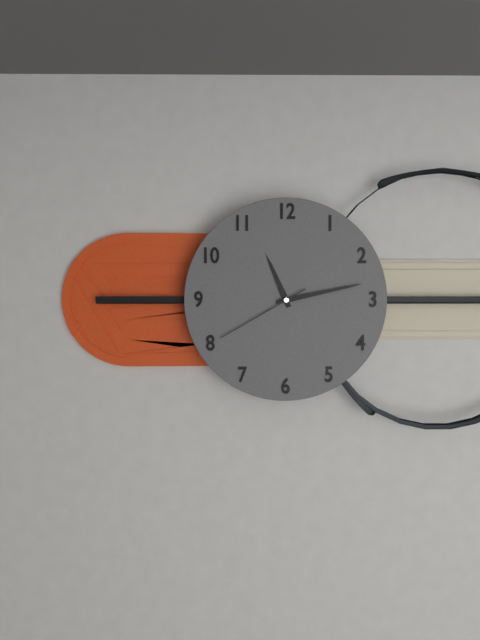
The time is 11h13m40s
